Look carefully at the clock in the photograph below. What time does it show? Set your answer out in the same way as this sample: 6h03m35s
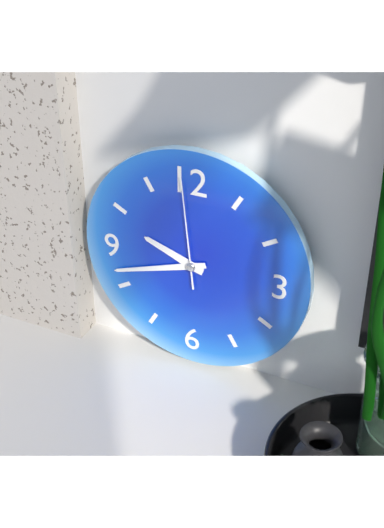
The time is 9h42m59s
